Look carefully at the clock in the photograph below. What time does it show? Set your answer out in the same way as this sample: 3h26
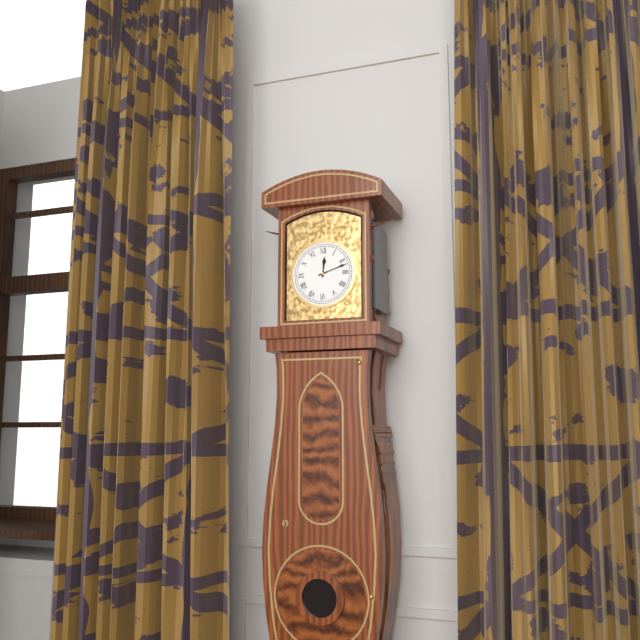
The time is 12h12
